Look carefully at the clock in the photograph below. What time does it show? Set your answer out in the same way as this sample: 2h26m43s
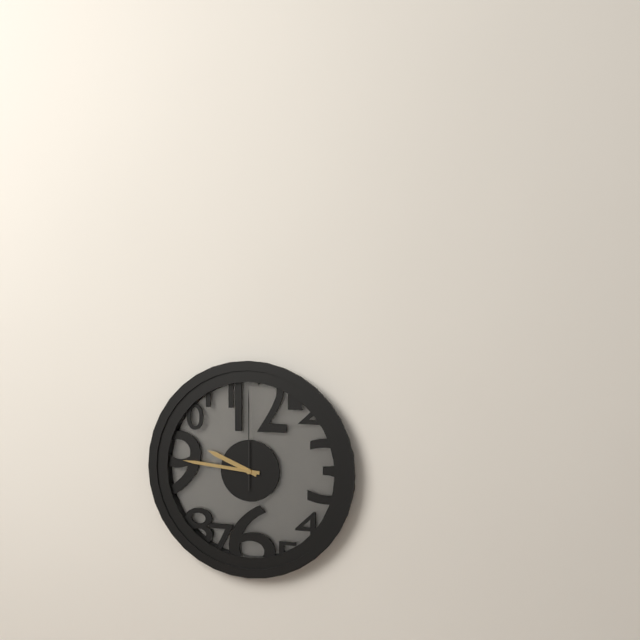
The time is 9h46m00s
